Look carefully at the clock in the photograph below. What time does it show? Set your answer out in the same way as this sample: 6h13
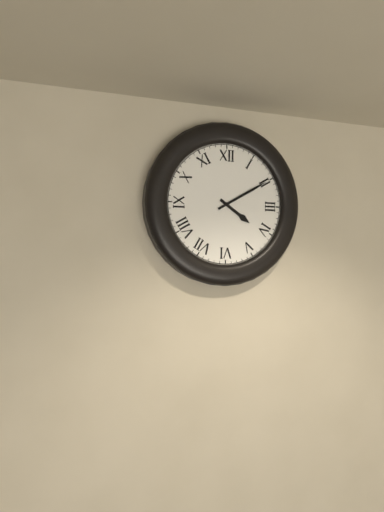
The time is 4h10
